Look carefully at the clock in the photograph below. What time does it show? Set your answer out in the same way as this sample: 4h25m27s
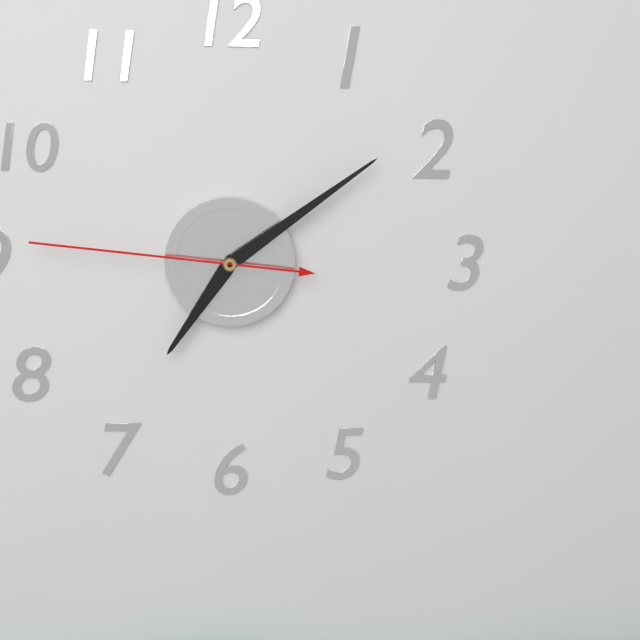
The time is 7h09m46s
